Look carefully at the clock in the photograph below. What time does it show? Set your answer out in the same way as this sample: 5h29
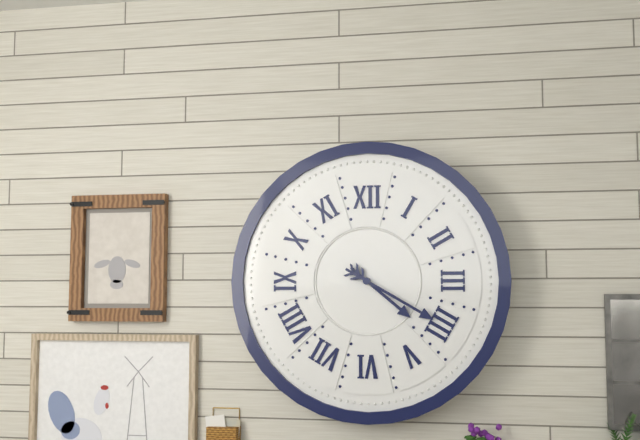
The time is 4h20
